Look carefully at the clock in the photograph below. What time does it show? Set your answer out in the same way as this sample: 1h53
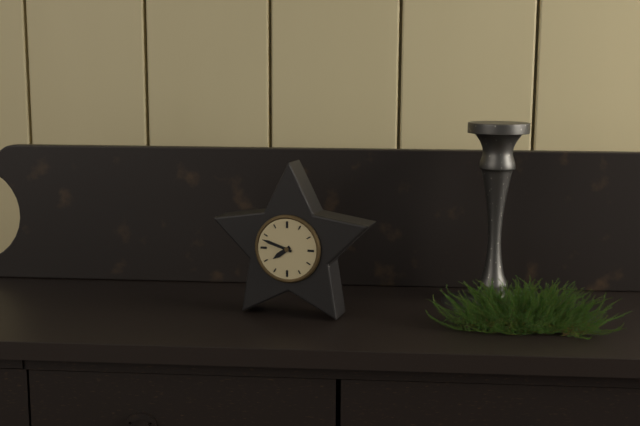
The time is 7h48
